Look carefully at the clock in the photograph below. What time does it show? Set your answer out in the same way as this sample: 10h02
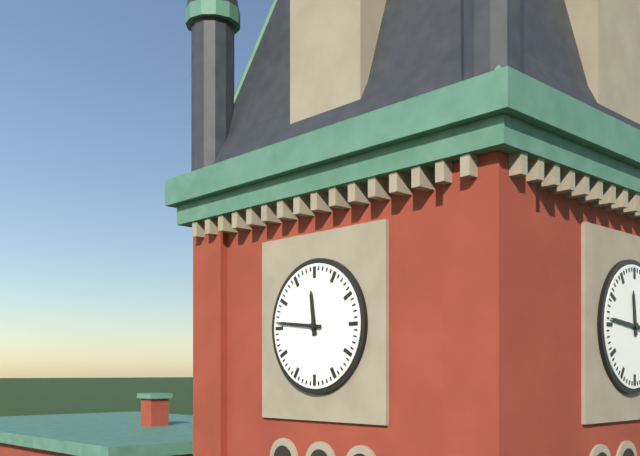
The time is 11h46
